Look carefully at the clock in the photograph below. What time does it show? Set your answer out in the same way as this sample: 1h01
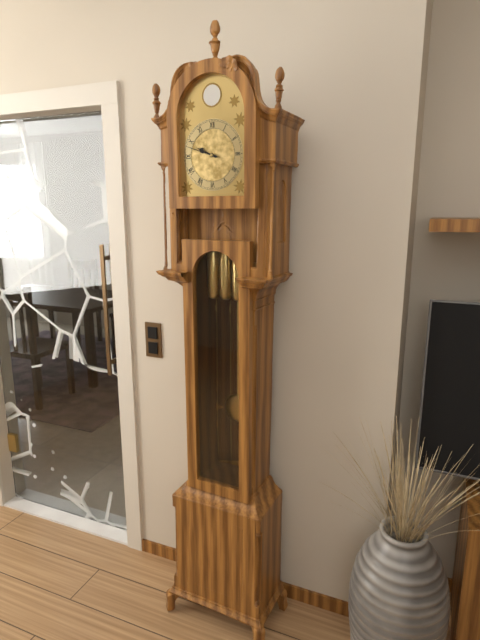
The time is 9h48
